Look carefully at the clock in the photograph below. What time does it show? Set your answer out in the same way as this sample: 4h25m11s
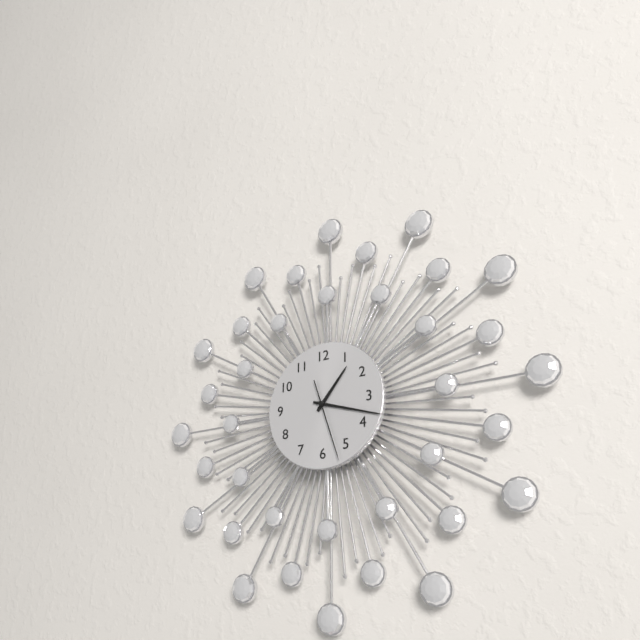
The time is 1h18m27s
